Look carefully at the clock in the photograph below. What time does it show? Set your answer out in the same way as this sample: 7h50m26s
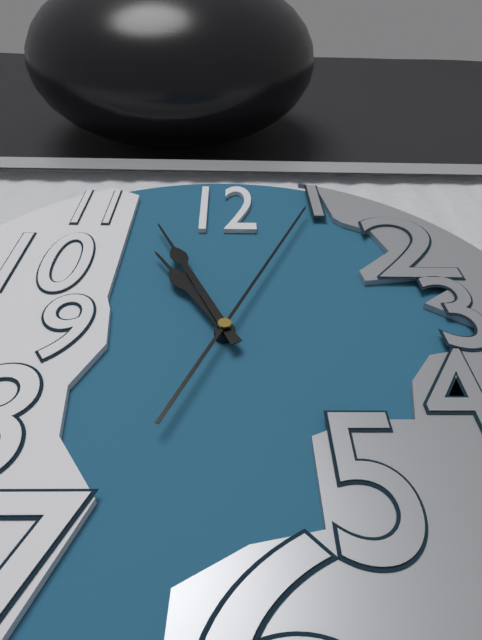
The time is 10h56m04s
